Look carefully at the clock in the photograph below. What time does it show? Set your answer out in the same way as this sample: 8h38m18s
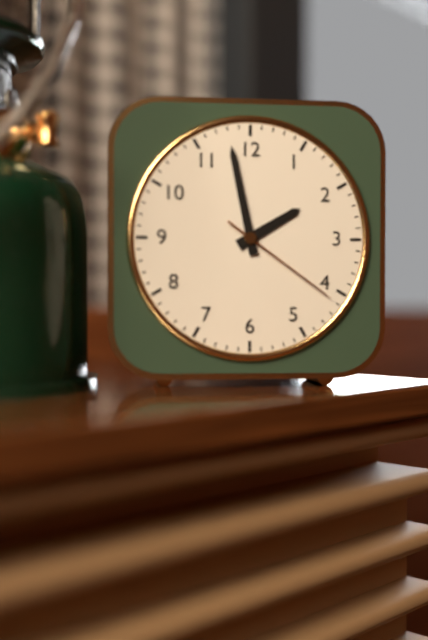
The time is 1h58m21s
